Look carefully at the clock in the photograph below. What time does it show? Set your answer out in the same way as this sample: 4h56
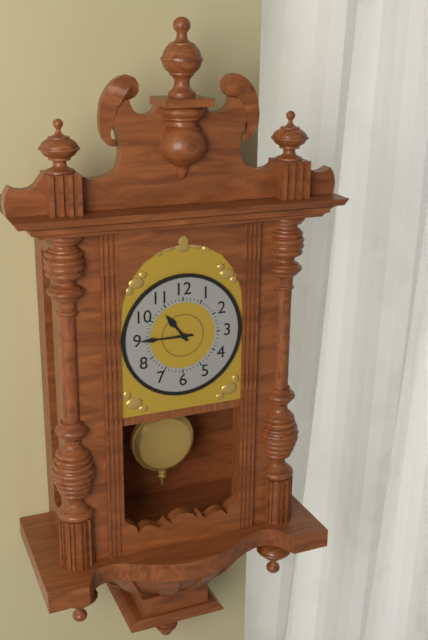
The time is 10h45
